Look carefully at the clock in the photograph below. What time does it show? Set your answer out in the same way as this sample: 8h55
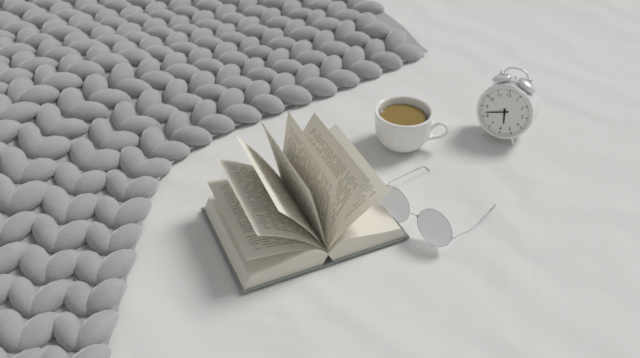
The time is 5h42
